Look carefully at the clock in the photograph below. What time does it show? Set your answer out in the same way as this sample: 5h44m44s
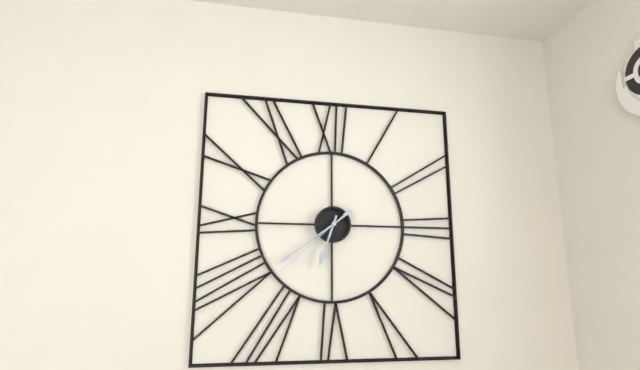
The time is 6h39m38s
